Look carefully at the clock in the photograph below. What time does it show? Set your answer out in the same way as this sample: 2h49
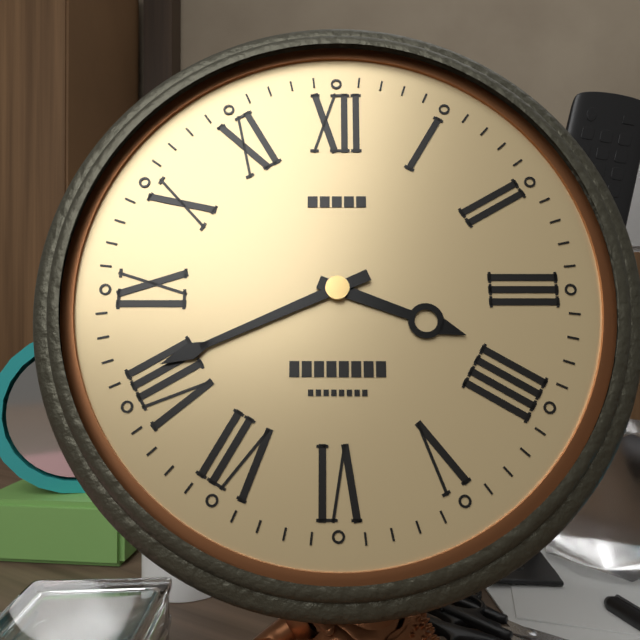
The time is 3h41
